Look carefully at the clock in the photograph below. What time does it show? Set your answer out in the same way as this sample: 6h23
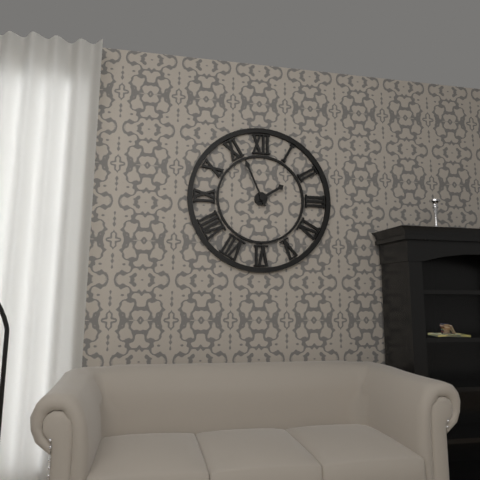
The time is 1h56
